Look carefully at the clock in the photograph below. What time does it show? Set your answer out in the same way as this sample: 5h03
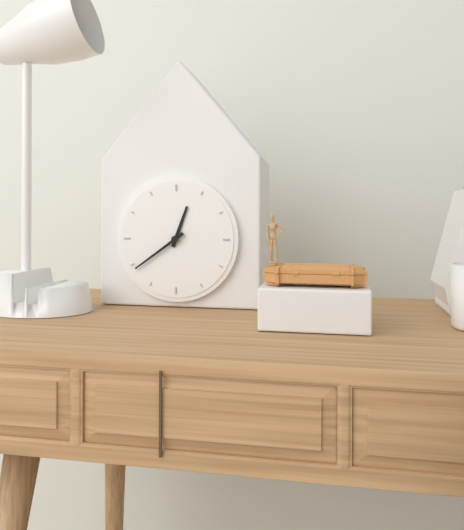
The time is 12h39
